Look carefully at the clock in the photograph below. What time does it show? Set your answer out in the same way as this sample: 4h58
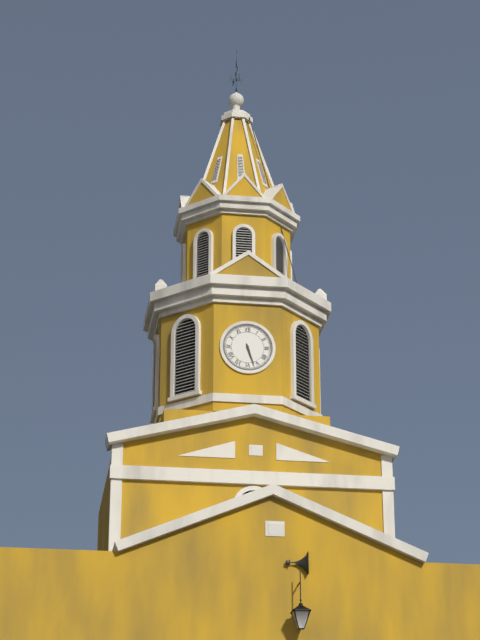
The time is 5h27
